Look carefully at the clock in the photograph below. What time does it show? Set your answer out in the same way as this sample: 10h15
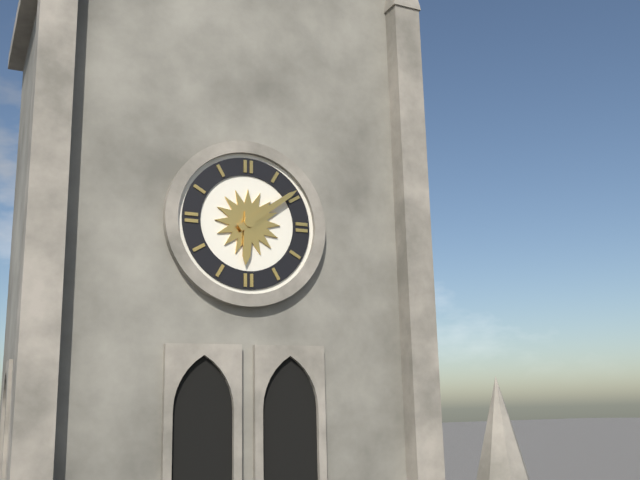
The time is 6h09
